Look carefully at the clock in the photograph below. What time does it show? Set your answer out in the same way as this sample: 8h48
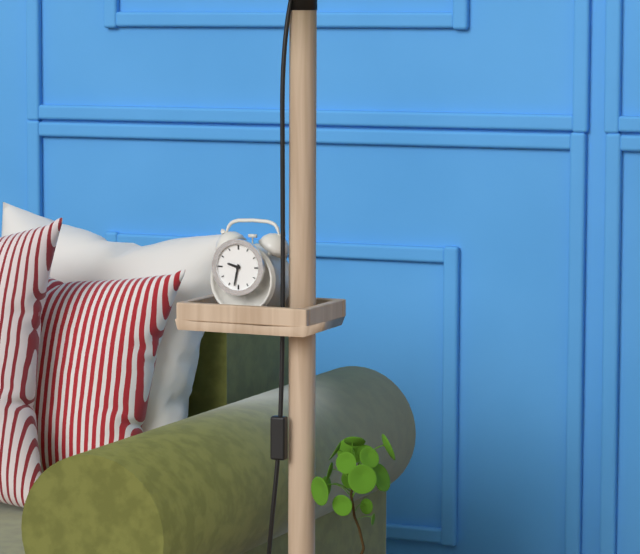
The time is 9h32
